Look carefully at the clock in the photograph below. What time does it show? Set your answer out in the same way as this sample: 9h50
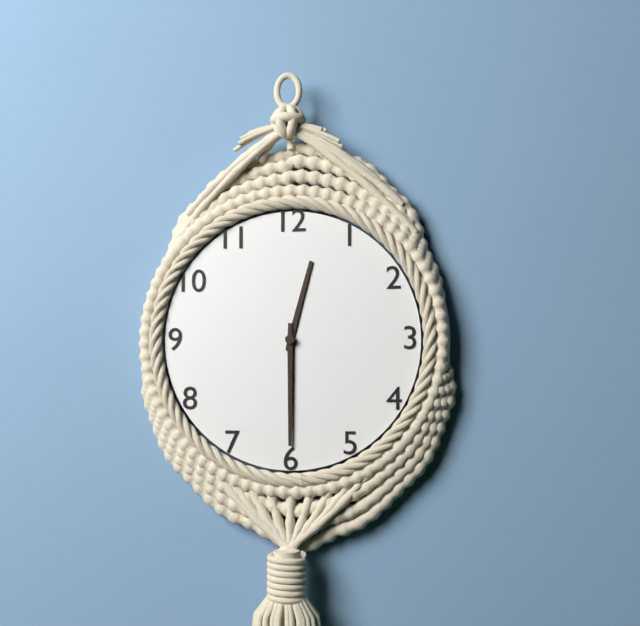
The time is 12h30
